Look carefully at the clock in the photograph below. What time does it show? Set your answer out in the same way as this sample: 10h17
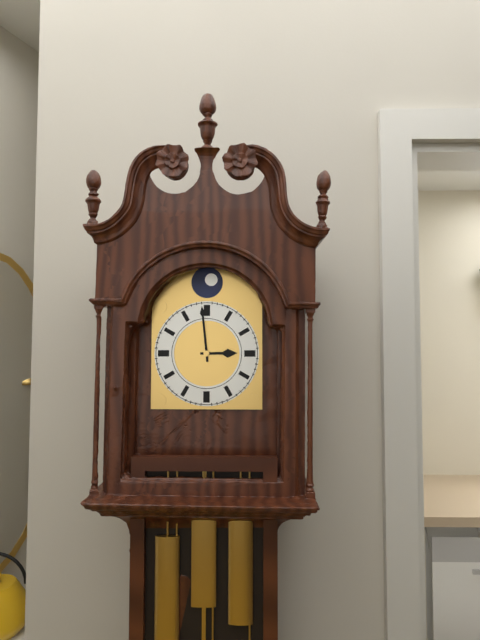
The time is 2h59
